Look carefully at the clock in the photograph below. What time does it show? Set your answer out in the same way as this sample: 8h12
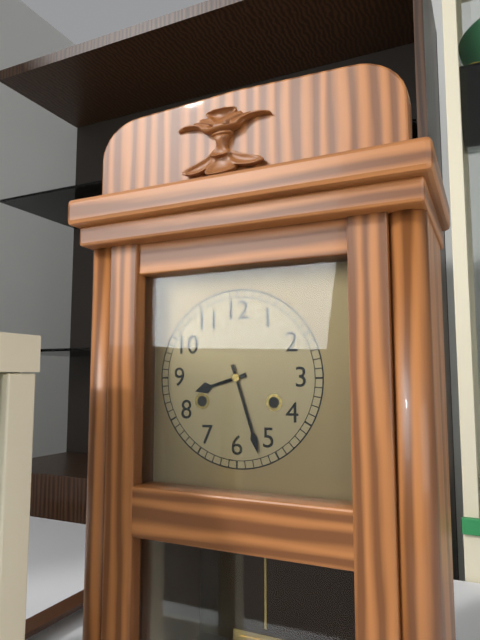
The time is 8h27
